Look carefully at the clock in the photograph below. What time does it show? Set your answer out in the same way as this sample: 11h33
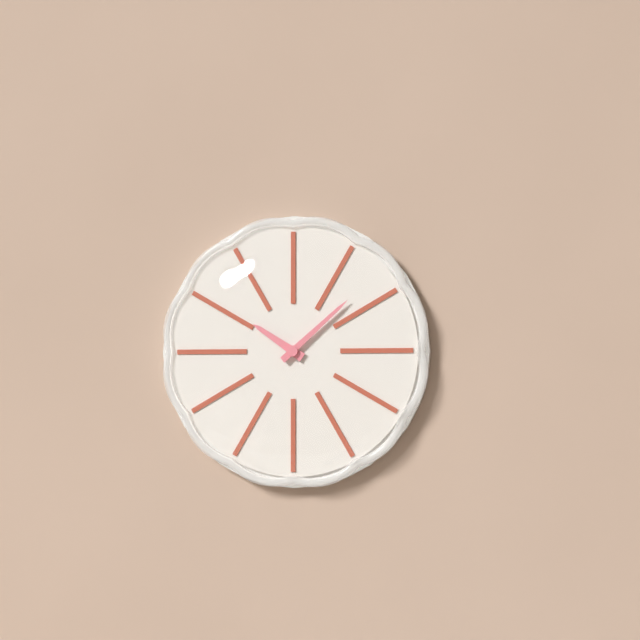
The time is 10h08
